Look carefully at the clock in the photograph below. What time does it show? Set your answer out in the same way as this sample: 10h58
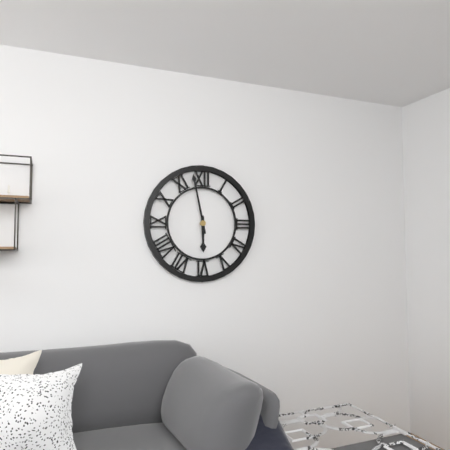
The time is 5h58
